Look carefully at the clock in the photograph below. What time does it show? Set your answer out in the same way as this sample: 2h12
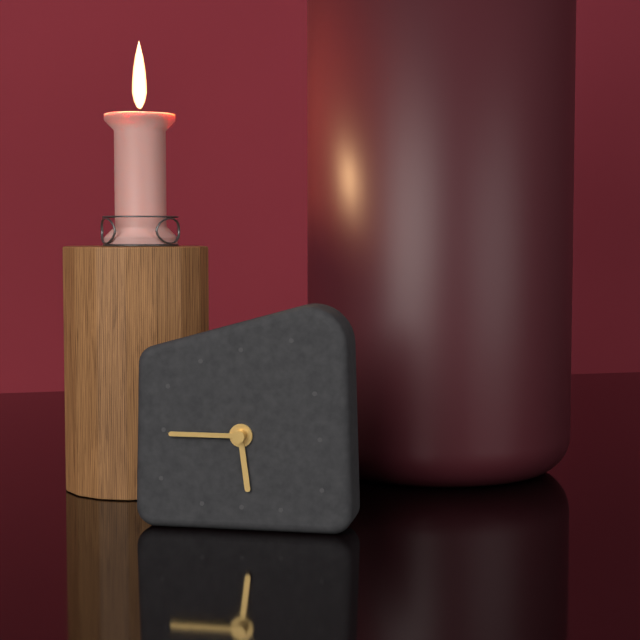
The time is 5h45
